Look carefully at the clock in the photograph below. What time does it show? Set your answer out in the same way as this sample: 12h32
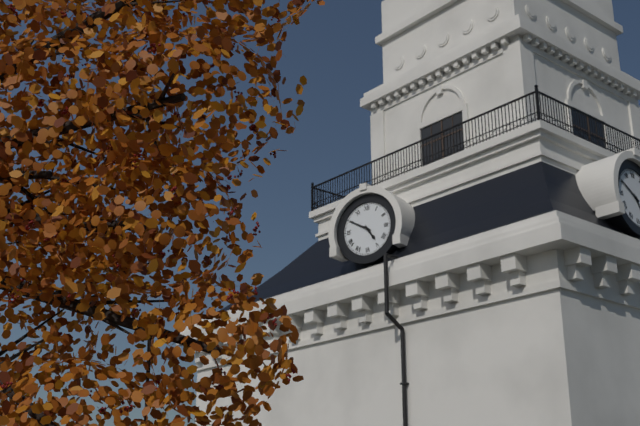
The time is 4h50
